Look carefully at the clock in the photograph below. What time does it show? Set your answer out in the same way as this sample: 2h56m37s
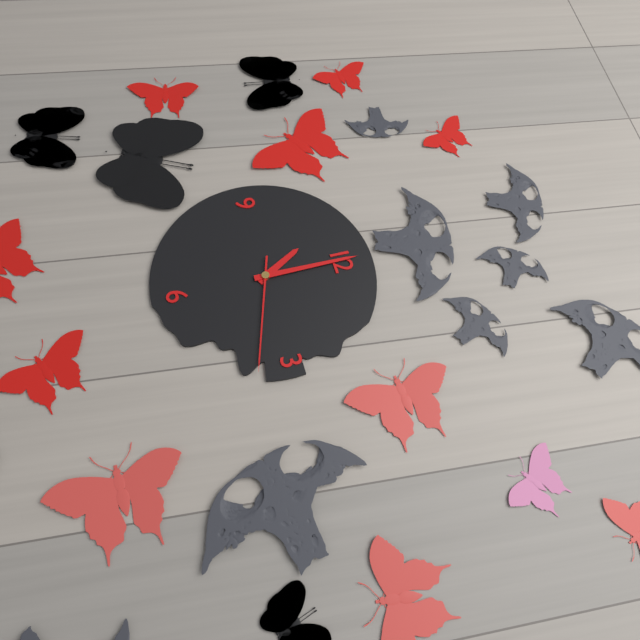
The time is 11h00m18s
